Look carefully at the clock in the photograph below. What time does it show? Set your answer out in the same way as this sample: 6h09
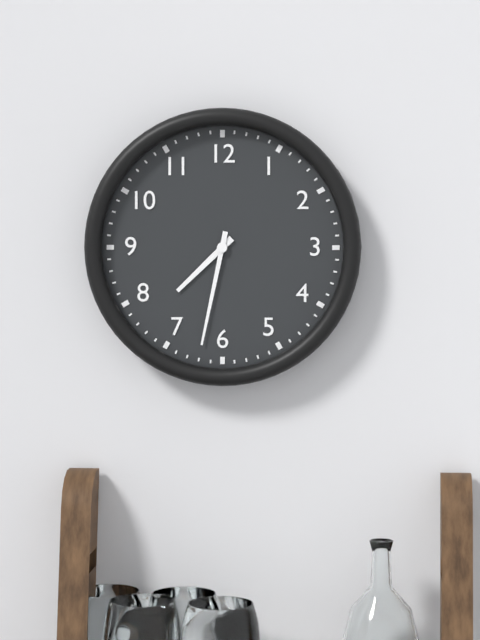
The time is 7h32
